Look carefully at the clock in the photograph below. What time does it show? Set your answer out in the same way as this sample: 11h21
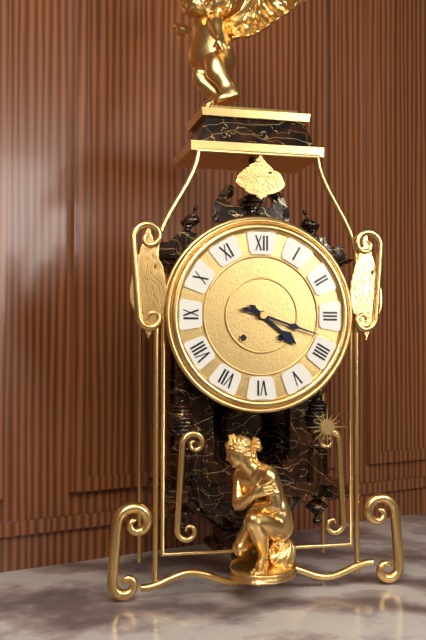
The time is 4h18
